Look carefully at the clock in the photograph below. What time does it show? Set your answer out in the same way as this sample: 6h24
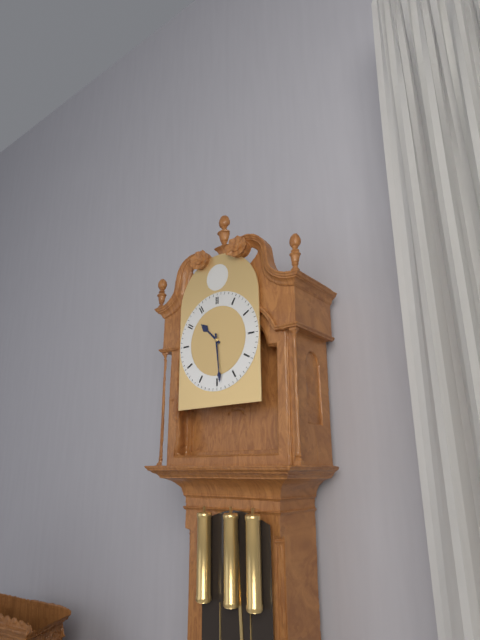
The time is 10h29
